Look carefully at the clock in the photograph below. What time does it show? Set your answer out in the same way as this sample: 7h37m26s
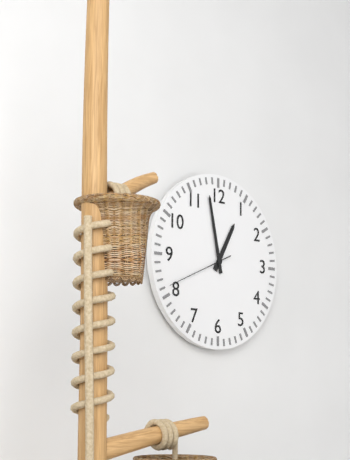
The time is 12h58m41s
